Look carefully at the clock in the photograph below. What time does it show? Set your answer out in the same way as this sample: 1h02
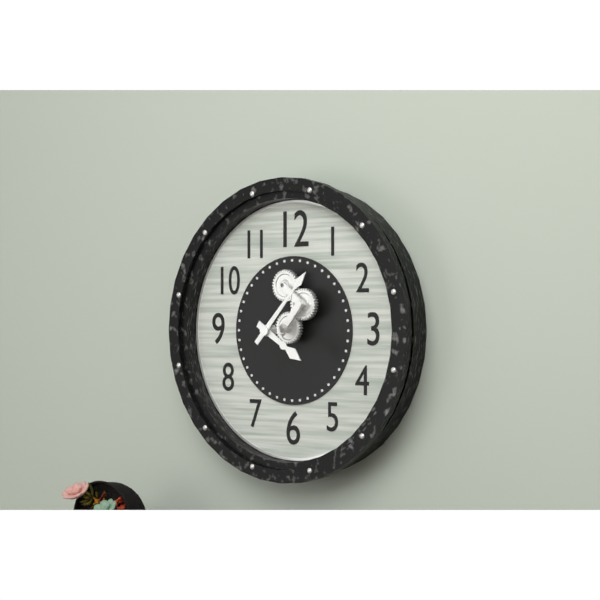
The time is 4h07
